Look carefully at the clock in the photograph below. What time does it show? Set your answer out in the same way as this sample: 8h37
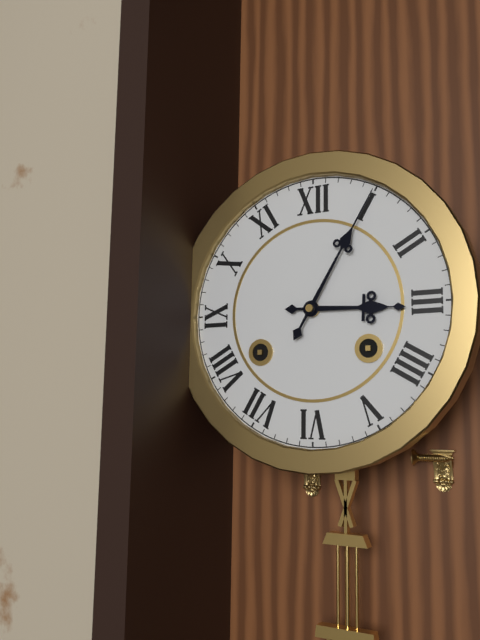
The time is 3h05
